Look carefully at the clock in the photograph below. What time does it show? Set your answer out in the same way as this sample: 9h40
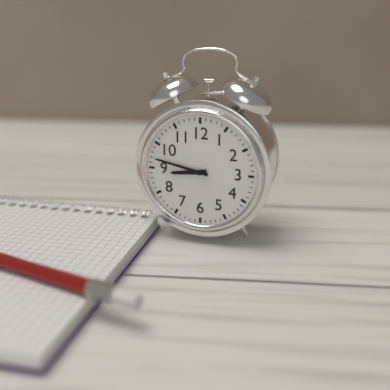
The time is 8h47
